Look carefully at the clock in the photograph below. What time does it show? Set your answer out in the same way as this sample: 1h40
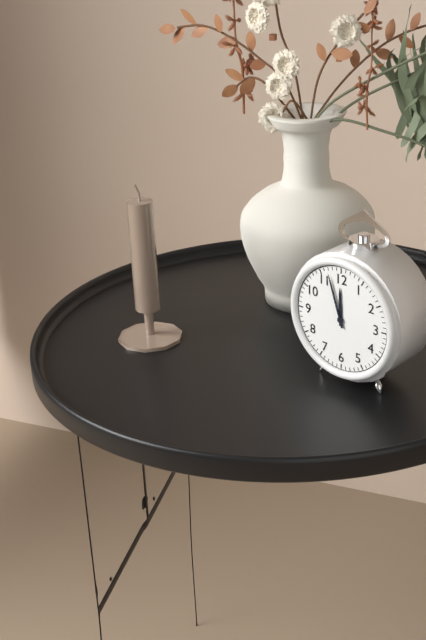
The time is 11h57
